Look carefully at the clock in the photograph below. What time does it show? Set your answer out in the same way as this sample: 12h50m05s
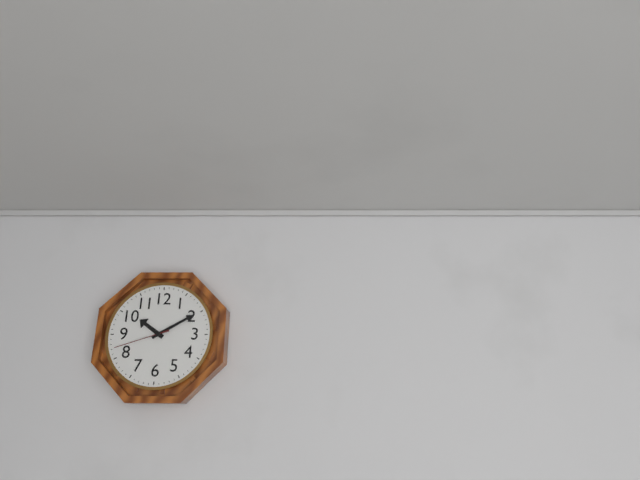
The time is 10h10m42s
